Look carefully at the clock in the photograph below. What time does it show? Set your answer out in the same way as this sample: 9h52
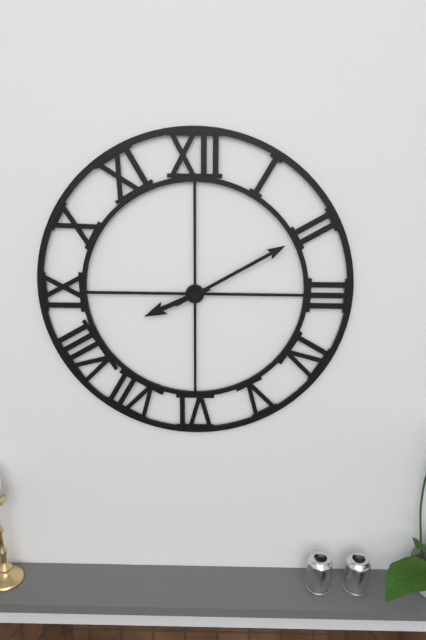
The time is 8h10
